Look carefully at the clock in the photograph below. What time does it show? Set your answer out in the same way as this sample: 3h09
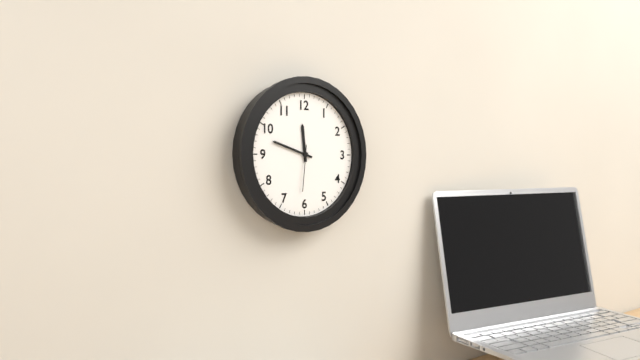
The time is 11h48
